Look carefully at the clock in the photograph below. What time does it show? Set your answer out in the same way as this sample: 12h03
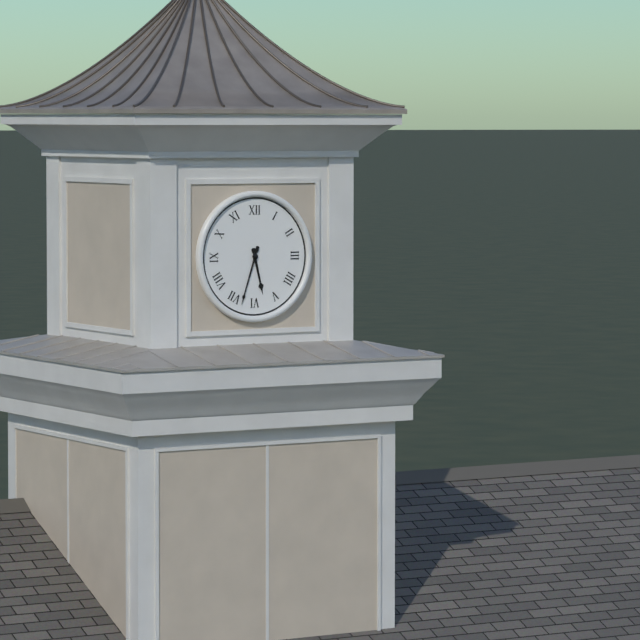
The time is 5h33
